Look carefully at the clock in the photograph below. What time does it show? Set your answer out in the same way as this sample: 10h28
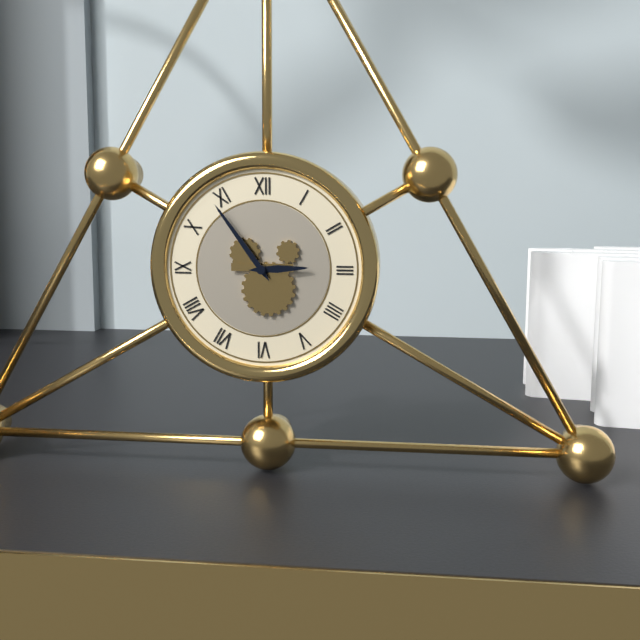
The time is 2h54
